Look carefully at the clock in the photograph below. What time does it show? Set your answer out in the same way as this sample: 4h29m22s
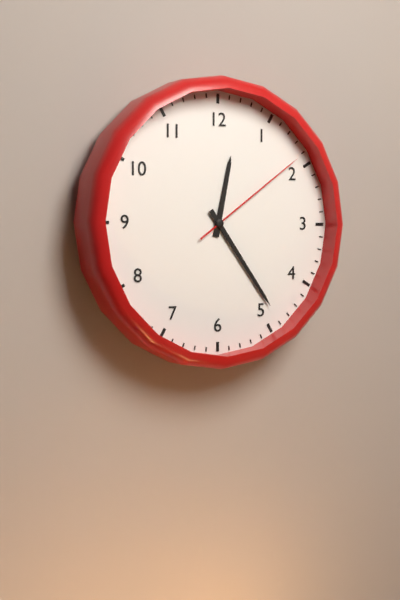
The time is 12h24m09s
